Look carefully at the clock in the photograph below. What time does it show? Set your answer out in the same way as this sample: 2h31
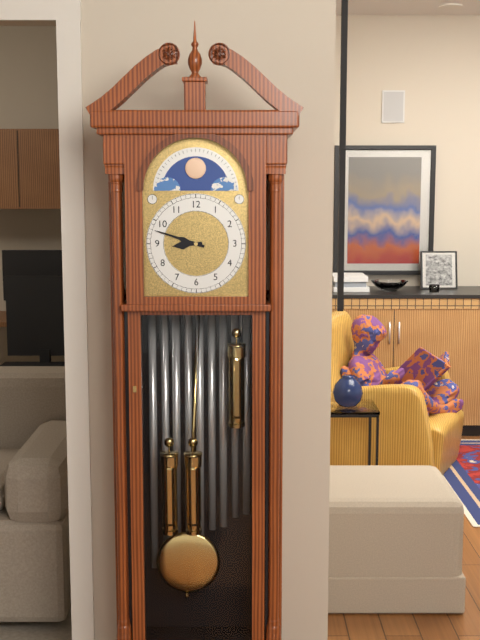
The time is 8h48
